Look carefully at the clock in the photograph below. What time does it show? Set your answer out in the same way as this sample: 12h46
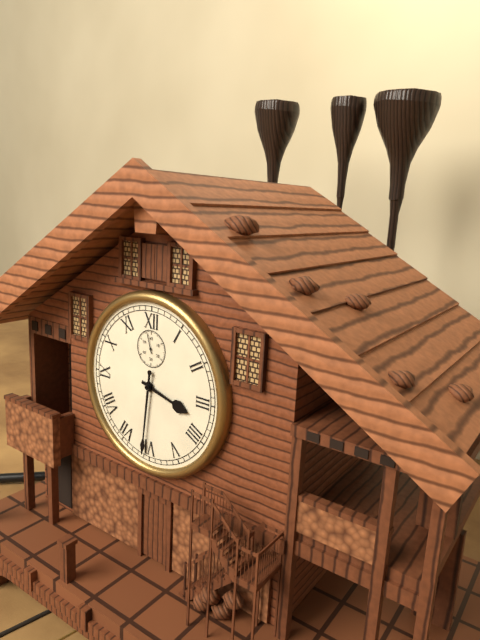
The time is 3h31
